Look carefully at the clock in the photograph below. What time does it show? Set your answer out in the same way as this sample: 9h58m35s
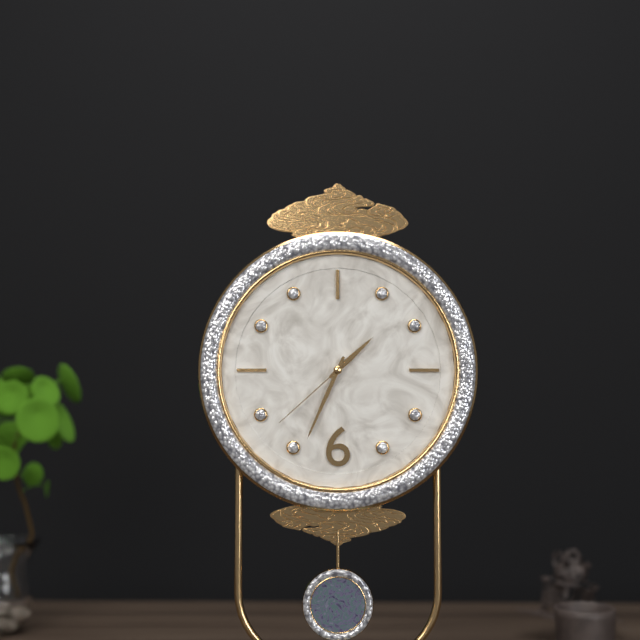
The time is 1h34m38s
